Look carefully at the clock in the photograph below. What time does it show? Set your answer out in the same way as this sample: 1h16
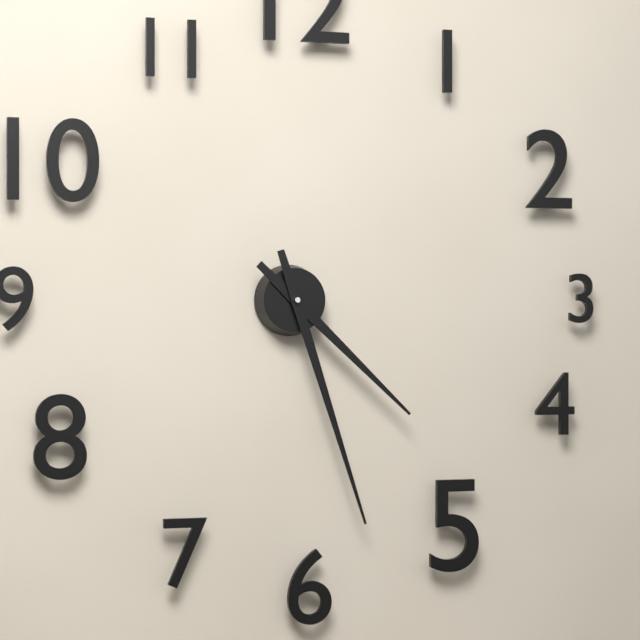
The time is 4h27
